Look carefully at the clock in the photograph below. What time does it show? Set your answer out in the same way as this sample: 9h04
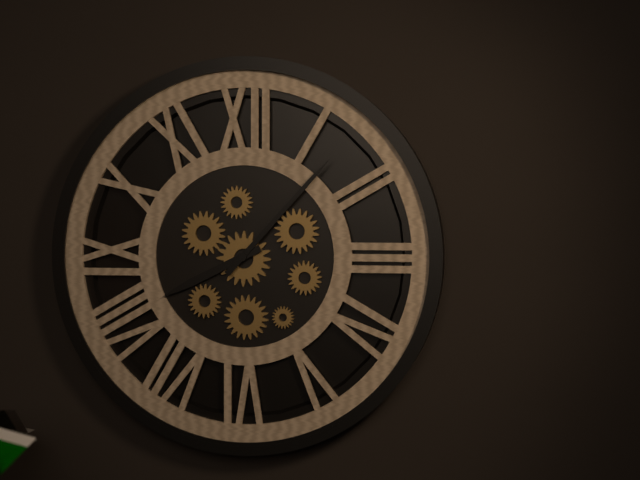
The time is 8h07
